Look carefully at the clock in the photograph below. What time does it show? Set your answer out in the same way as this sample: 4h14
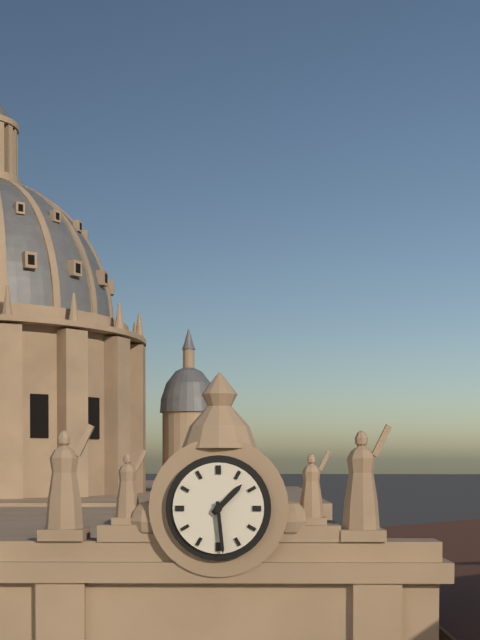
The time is 1h29
